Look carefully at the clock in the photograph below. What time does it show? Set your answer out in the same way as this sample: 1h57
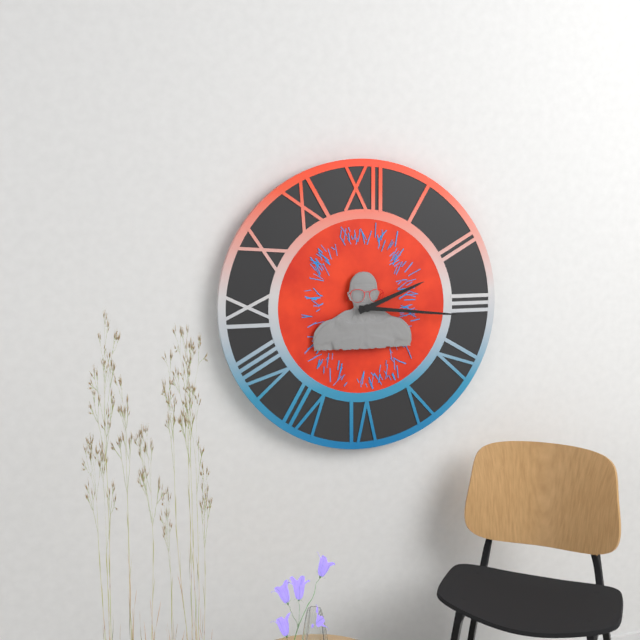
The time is 2h16
